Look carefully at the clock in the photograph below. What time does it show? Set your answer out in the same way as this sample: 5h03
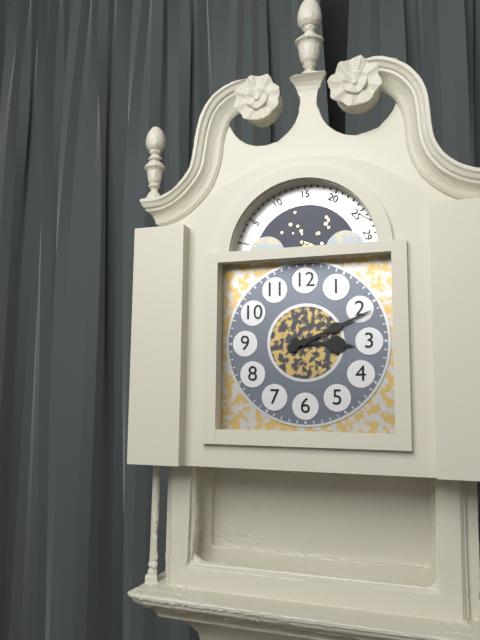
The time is 3h11
